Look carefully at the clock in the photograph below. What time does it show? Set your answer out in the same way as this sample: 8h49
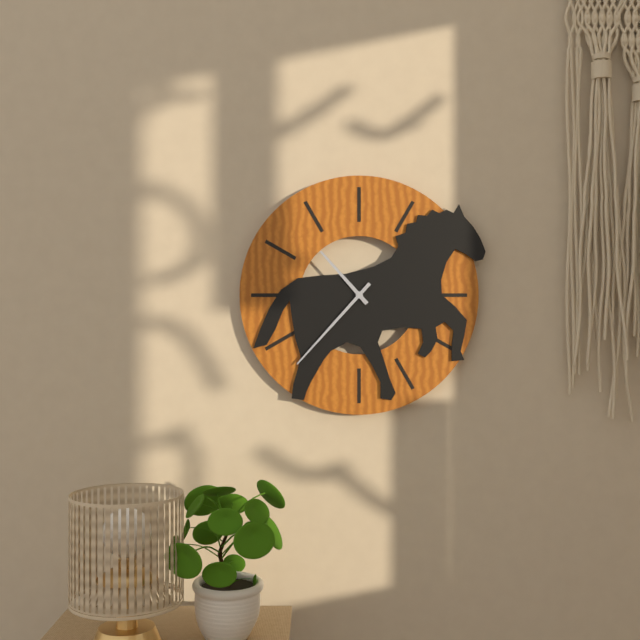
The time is 10h37
